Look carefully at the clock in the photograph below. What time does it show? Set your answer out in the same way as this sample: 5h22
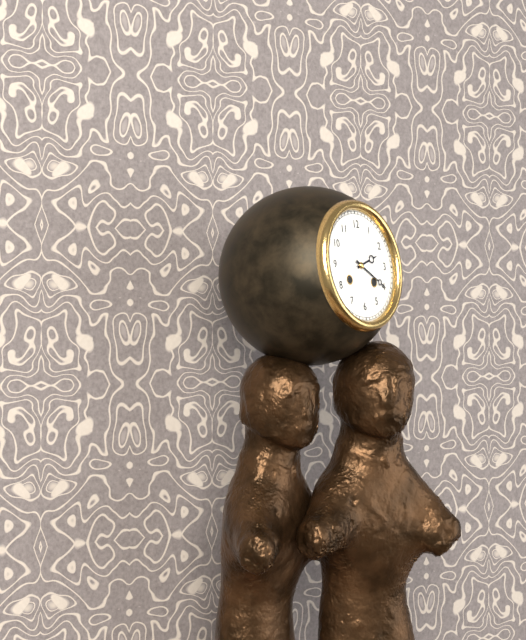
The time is 2h20
